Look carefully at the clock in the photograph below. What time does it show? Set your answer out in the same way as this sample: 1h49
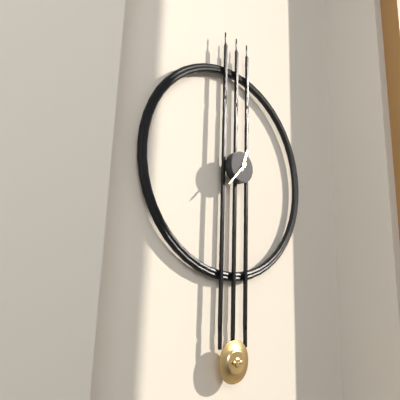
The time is 12h37
